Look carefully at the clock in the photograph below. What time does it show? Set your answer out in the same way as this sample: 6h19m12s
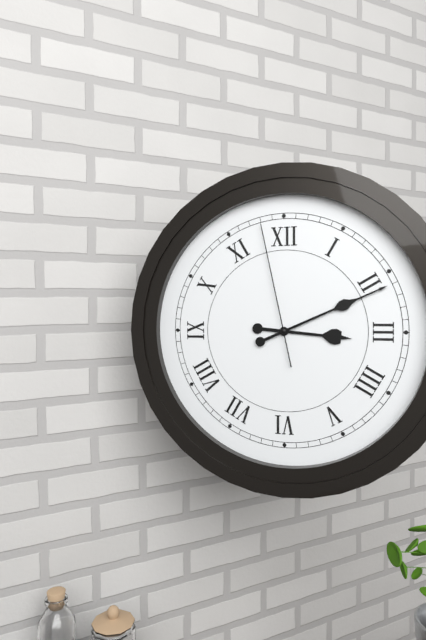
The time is 3h11m58s
